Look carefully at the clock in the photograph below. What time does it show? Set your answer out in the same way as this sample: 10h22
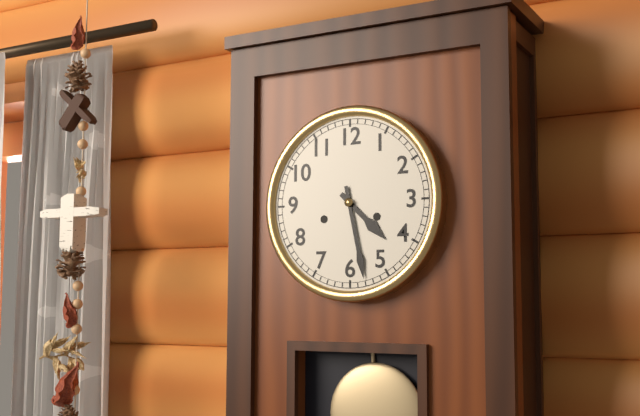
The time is 4h28
